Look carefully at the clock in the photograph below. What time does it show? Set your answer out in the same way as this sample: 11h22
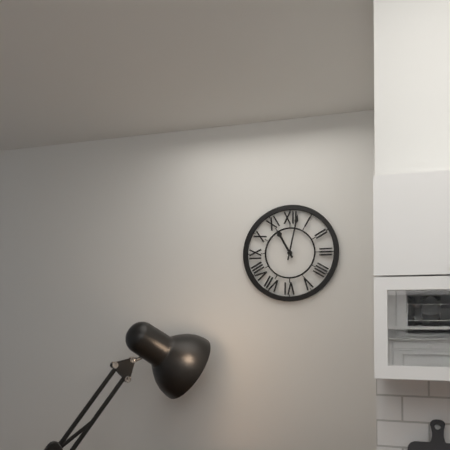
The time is 11h02
